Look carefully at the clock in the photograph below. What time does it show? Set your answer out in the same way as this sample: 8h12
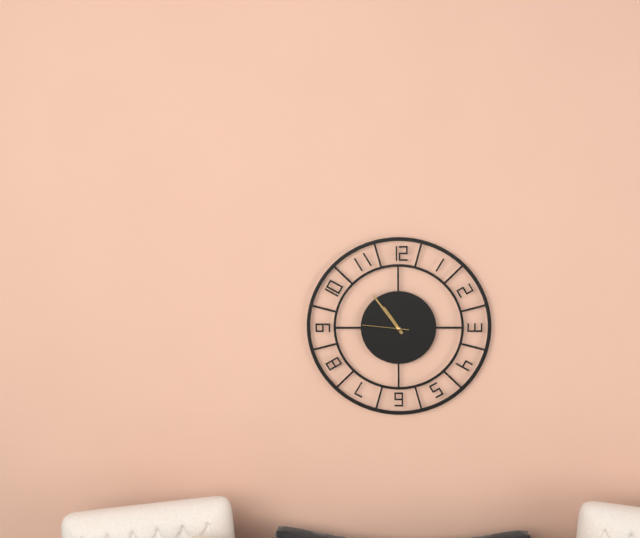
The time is 10h54
